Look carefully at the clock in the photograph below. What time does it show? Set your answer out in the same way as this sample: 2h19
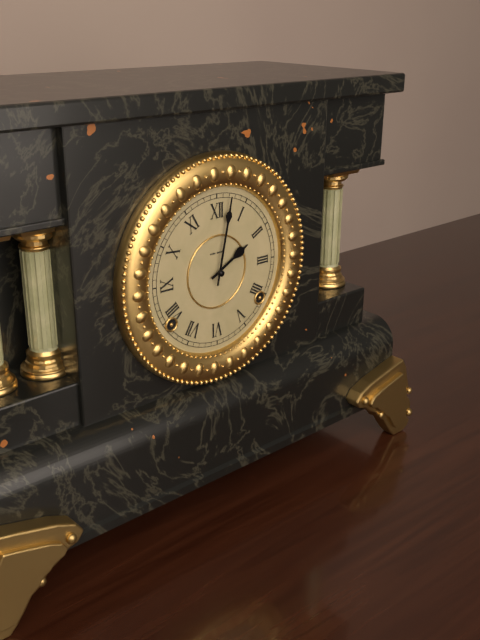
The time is 2h02
